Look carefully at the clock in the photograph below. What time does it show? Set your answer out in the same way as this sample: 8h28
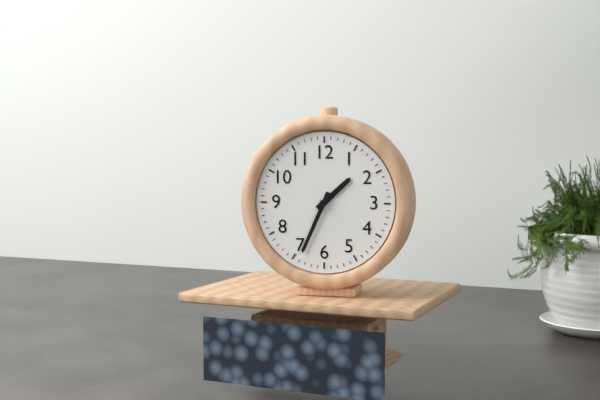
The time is 1h34
